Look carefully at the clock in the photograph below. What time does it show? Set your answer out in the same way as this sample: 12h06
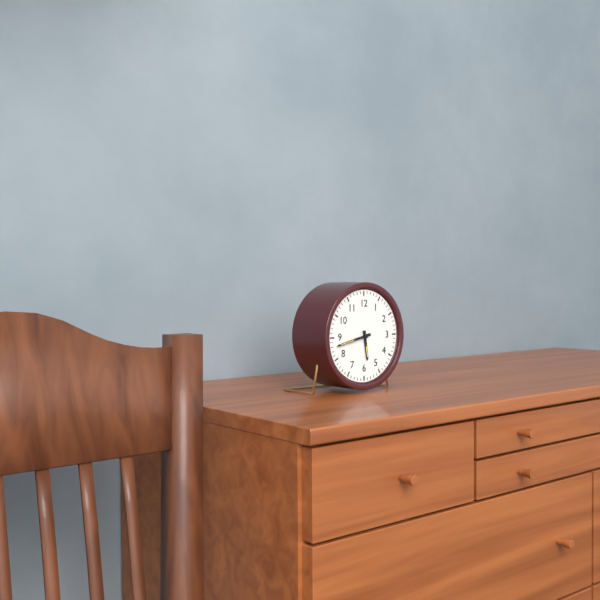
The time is 5h43
